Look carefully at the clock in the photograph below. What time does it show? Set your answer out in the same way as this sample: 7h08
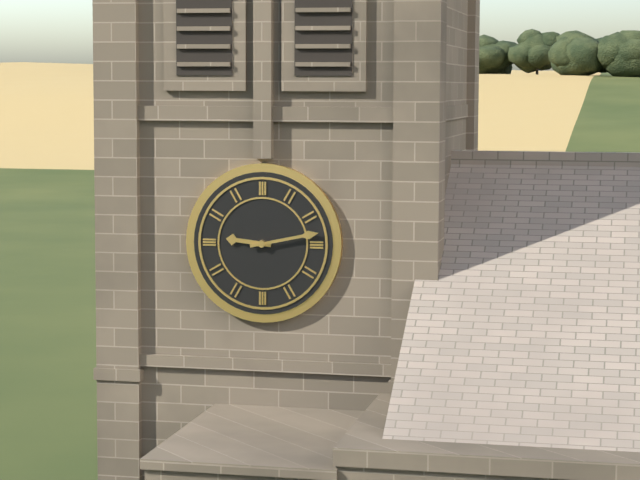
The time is 9h13
